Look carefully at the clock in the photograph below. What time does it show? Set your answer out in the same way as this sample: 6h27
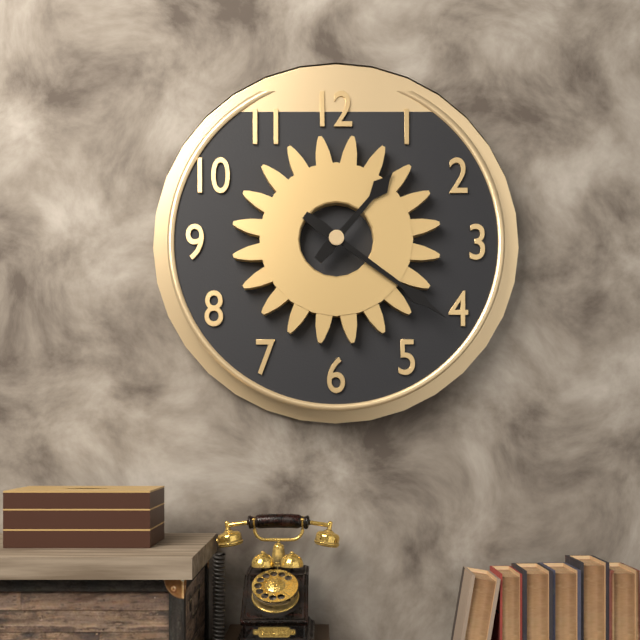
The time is 1h21
